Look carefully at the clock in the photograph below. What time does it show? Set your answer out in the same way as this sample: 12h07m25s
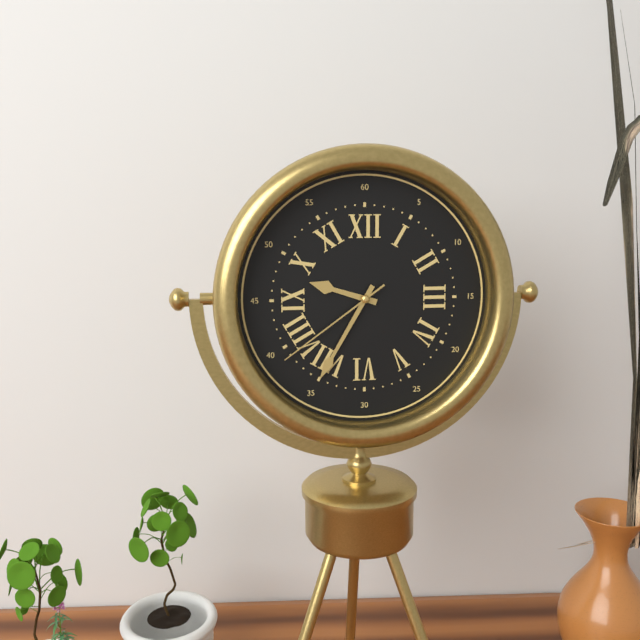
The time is 9h35m39s
